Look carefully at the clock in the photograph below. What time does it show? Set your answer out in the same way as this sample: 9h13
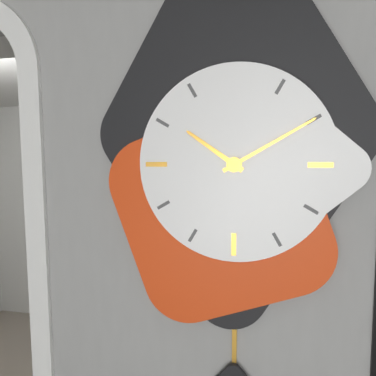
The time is 10h10
